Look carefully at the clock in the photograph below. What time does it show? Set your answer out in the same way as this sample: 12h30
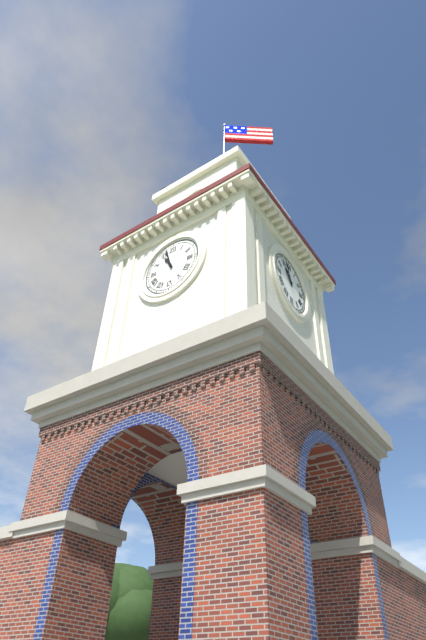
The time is 10h57
